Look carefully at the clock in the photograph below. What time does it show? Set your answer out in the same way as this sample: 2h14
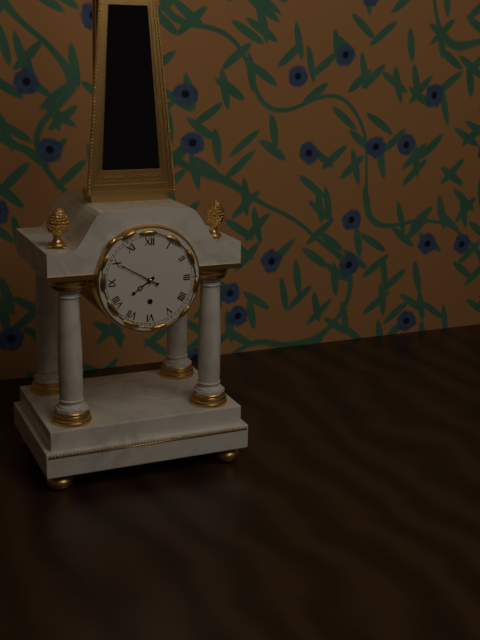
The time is 7h50
